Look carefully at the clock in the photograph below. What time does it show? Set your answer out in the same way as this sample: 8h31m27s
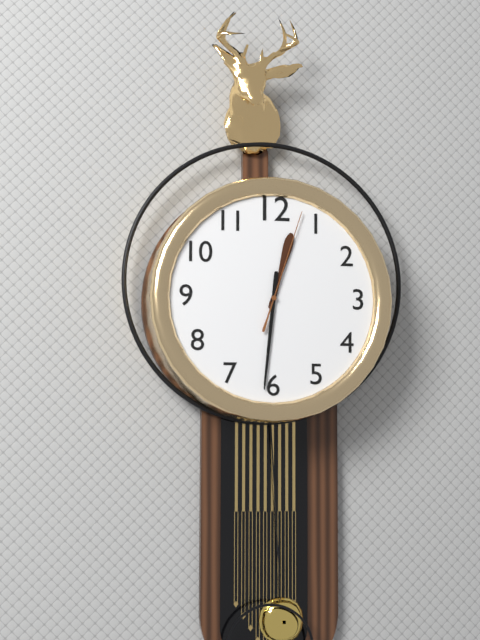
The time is 12h31m03s
